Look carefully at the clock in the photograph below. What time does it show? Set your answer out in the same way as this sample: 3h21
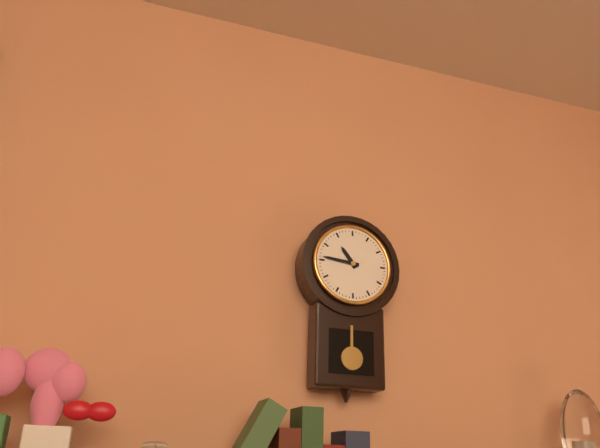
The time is 10h46
